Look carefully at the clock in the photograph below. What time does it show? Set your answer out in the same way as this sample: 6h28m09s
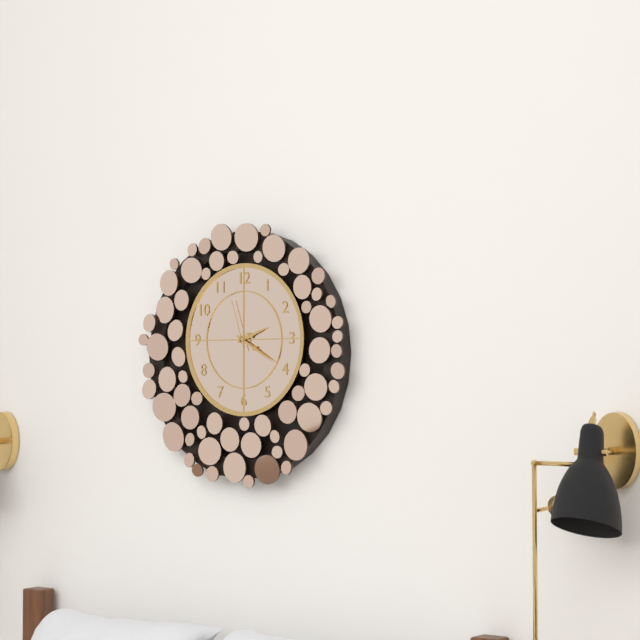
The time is 2h20m57s
